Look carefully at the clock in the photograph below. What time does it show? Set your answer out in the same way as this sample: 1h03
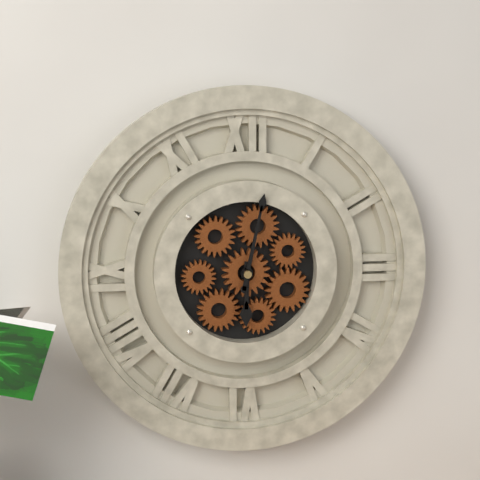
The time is 6h02
